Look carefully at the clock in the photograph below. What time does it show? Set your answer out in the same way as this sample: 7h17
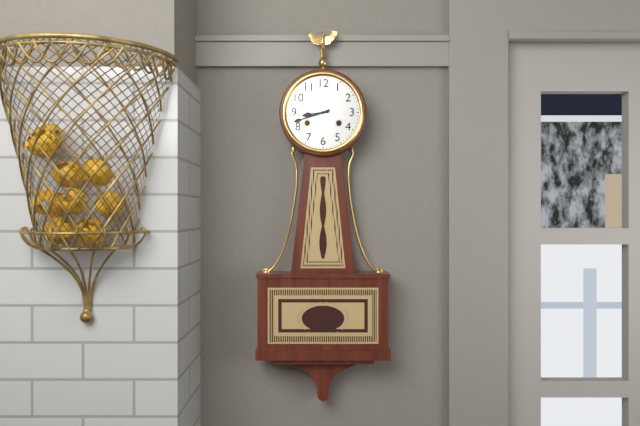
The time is 8h42
